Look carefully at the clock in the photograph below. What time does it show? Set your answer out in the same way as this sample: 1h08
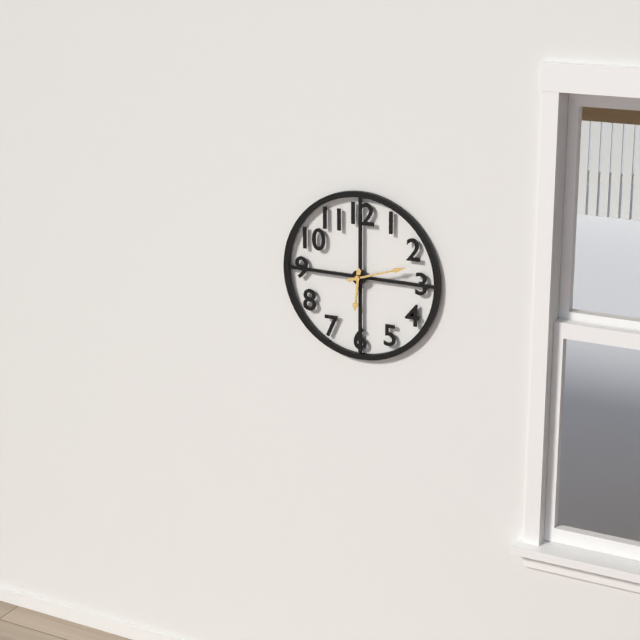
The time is 6h12
